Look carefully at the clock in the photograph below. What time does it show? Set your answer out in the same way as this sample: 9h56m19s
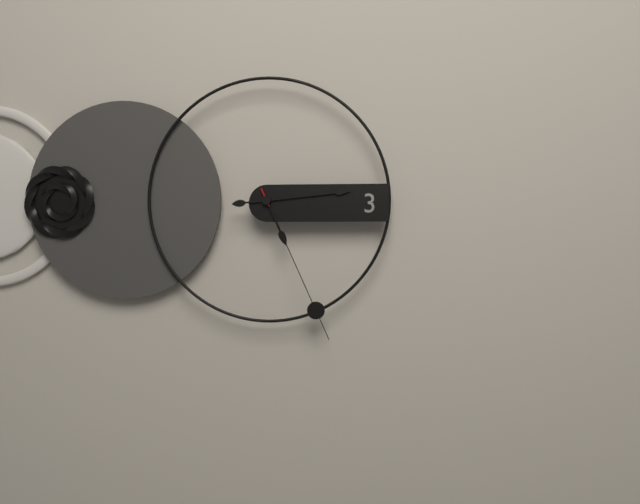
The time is 5h14m26s
